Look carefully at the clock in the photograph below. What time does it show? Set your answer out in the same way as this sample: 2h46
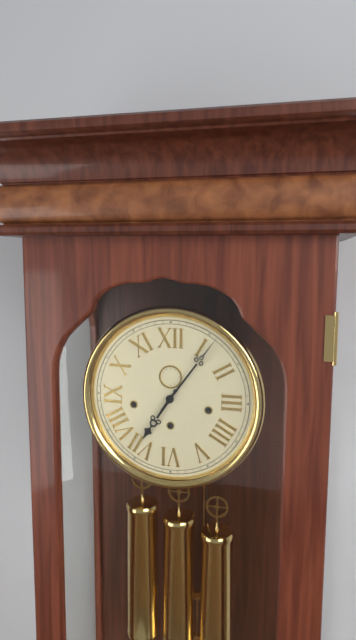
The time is 7h06
